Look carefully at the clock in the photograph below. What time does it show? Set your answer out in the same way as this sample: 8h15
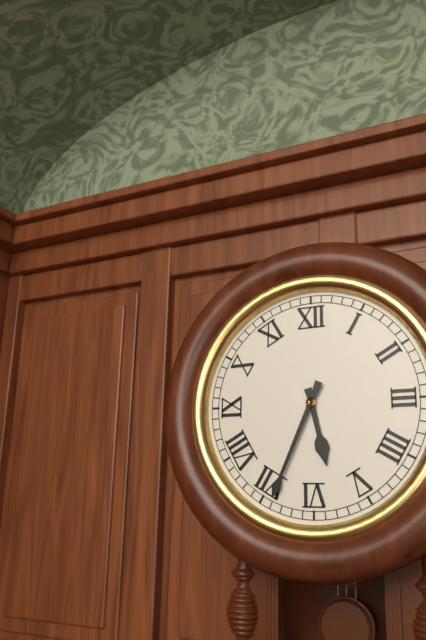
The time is 5h34
